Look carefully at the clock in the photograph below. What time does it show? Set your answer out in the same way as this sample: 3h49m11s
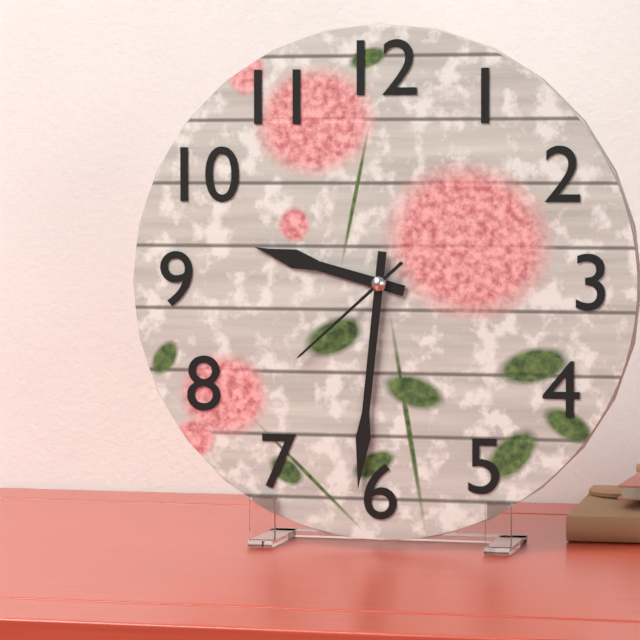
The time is 9h31m38s
